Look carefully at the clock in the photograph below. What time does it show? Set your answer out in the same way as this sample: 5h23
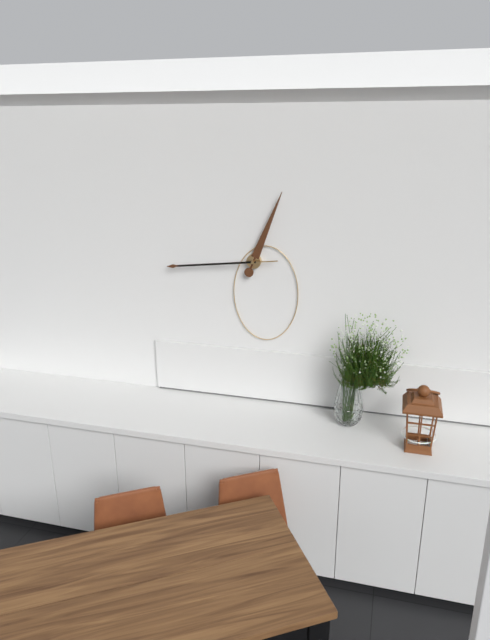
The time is 12h44
